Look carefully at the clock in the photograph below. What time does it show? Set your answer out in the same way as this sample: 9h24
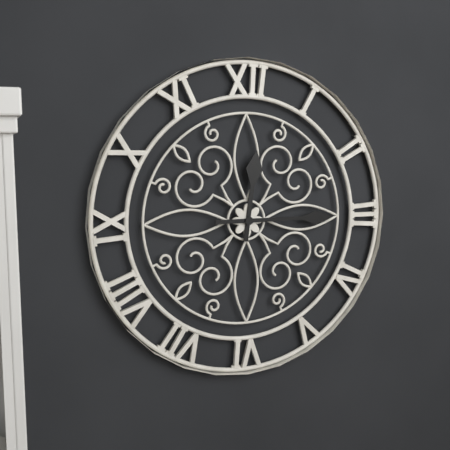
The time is 12h15
